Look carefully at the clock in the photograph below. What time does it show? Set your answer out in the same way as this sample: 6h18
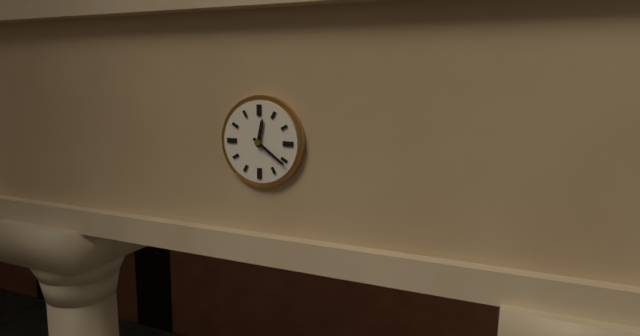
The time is 12h21
